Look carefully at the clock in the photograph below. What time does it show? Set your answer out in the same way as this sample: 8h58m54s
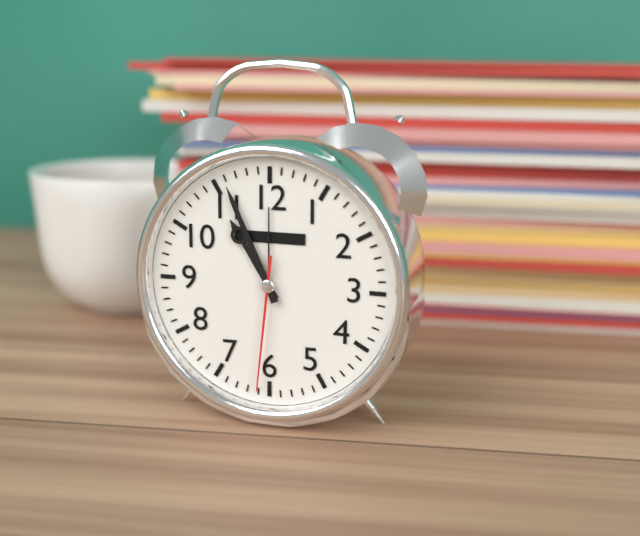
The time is 10h56m31s
